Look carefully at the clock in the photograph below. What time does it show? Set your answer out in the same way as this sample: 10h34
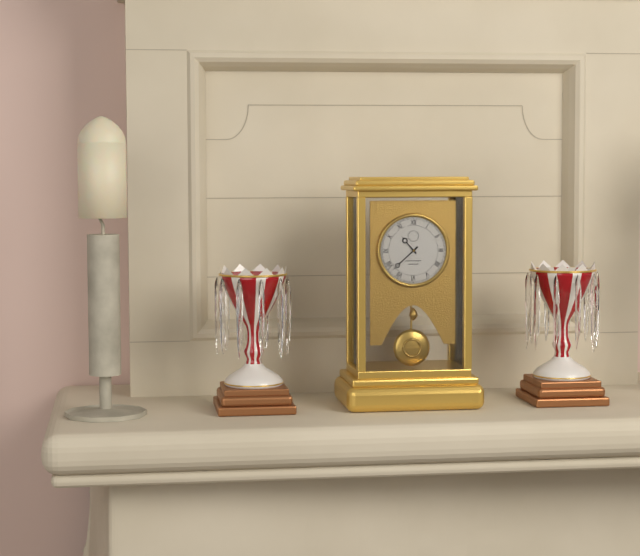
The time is 10h38
